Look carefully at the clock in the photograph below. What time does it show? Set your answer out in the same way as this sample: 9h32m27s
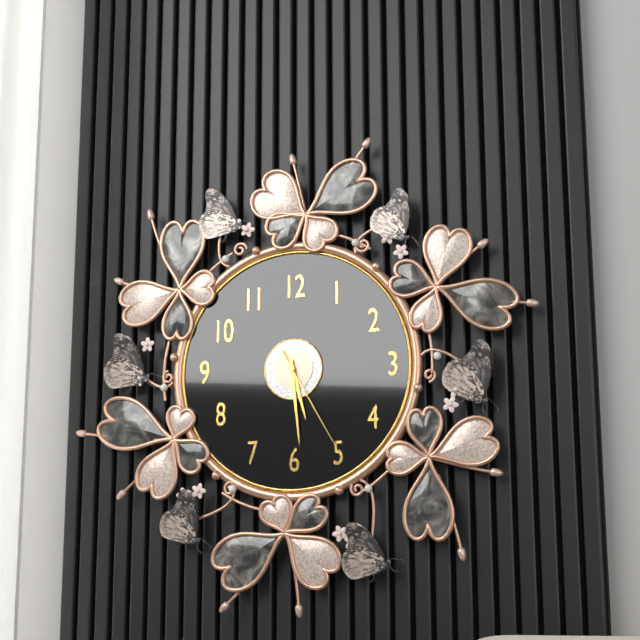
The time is 5h29m25s
